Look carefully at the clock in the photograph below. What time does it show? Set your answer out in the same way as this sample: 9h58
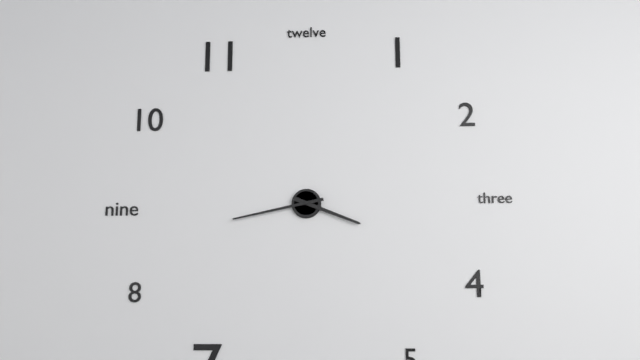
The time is 3h43
